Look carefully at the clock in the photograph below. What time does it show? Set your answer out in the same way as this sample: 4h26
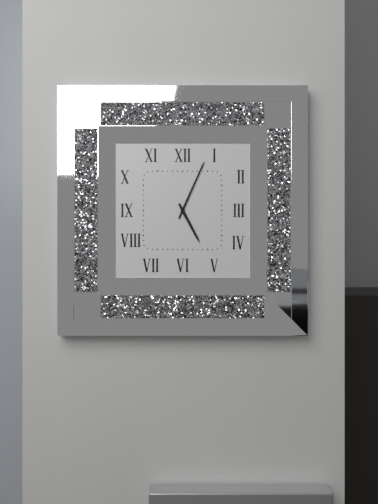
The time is 5h04
